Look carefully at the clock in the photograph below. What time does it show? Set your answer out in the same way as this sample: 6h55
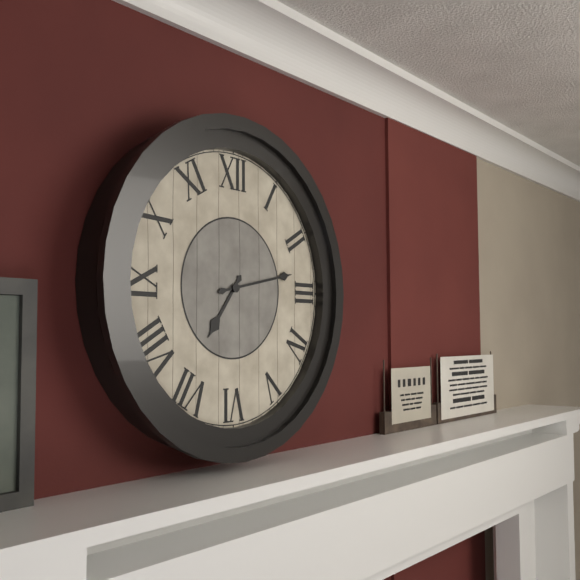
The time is 7h13
